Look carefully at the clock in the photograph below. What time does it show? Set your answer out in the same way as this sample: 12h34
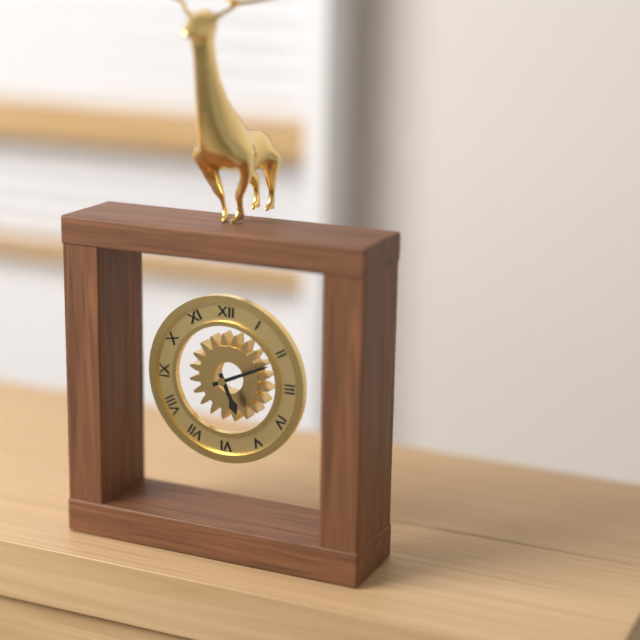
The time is 5h11
